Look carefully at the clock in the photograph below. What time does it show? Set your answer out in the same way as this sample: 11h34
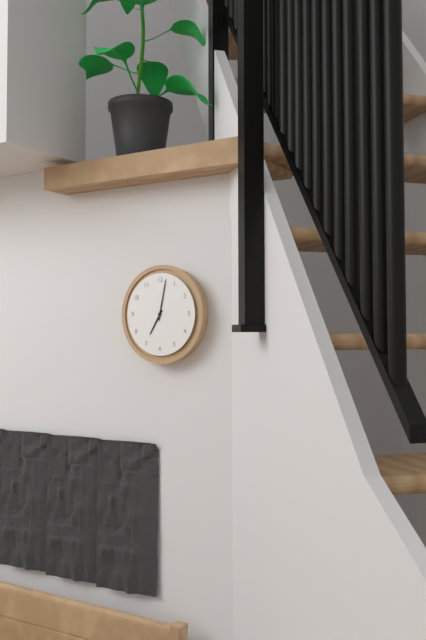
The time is 7h02
